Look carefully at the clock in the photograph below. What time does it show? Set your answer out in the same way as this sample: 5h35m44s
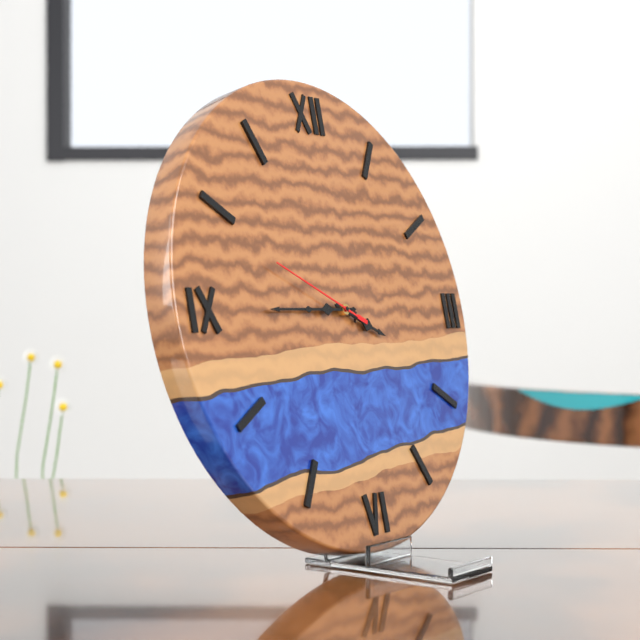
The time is 3h45m49s
